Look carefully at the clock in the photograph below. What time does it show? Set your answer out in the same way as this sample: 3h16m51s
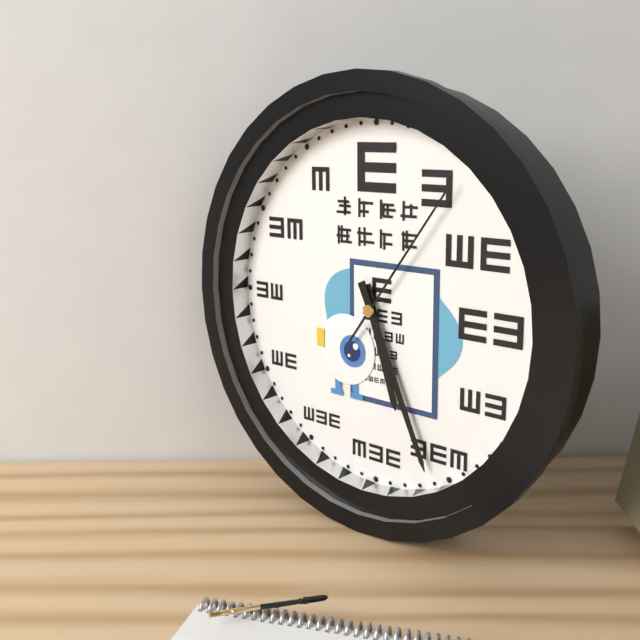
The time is 5h26m06s
